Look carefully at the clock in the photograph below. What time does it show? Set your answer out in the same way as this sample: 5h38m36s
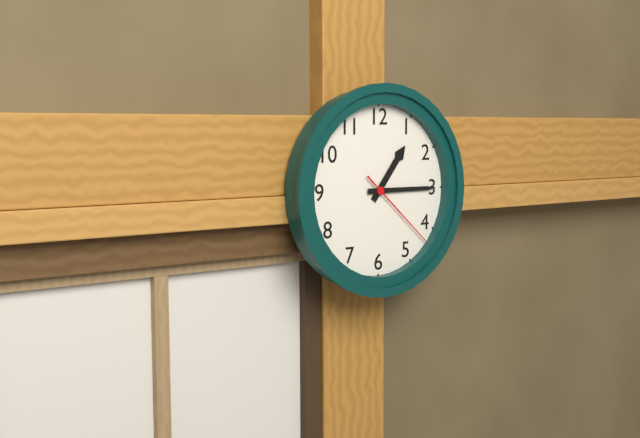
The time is 1h15m22s
